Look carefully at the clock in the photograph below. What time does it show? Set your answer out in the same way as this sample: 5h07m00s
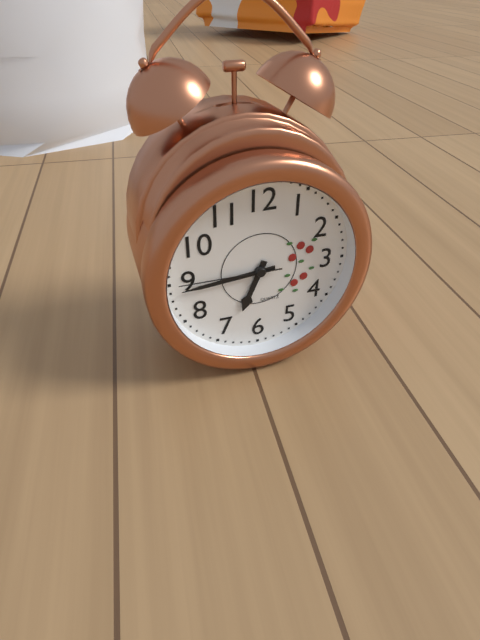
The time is 6h44m45s
